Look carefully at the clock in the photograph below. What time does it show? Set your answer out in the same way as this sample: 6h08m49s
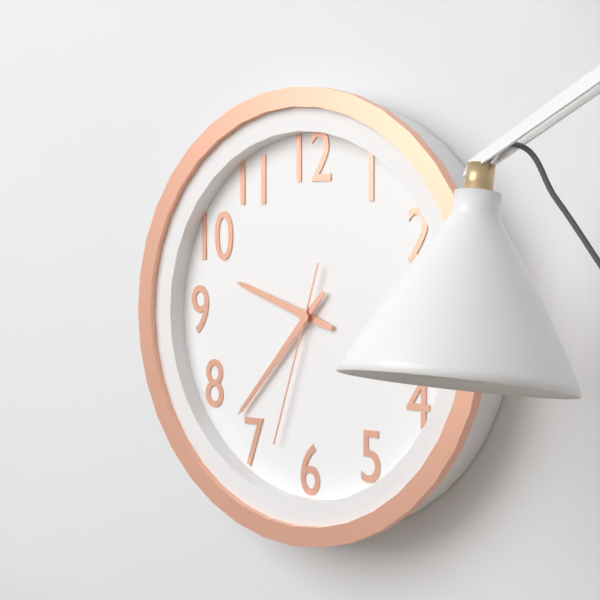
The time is 9h37m33s
